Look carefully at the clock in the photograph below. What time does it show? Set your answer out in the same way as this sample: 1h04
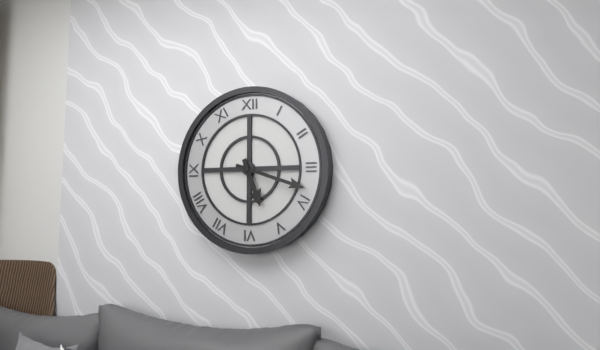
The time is 5h18
